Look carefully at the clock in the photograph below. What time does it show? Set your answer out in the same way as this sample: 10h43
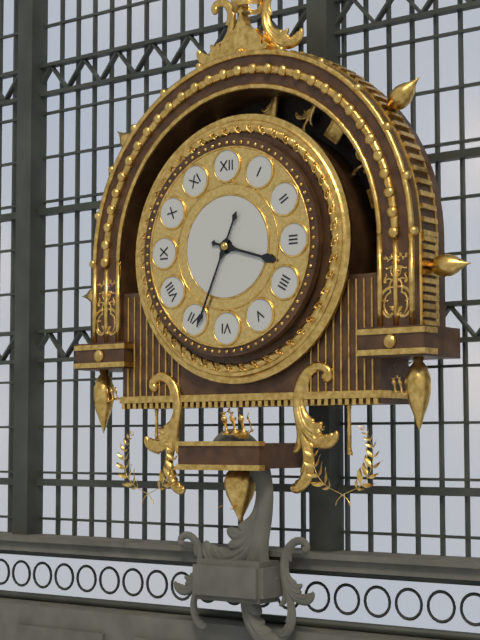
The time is 3h34
